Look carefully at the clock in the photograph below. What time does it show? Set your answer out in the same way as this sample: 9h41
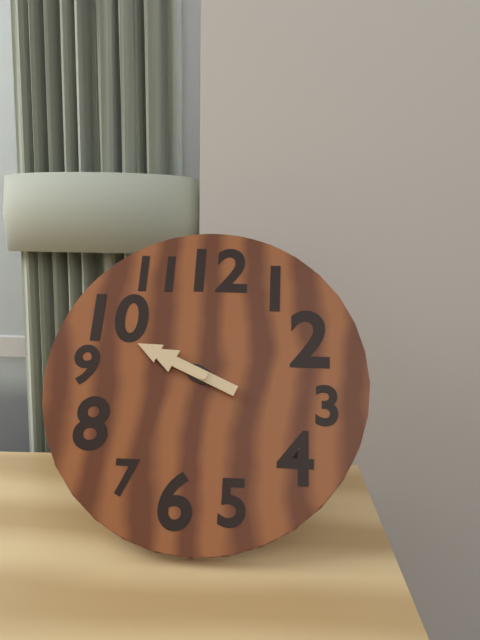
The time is 9h49
